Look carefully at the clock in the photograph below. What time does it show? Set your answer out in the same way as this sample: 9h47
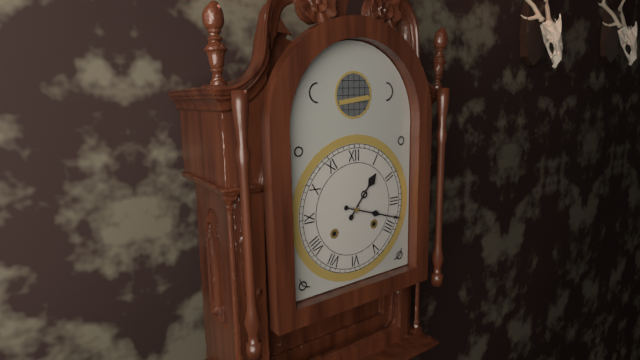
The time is 1h18
